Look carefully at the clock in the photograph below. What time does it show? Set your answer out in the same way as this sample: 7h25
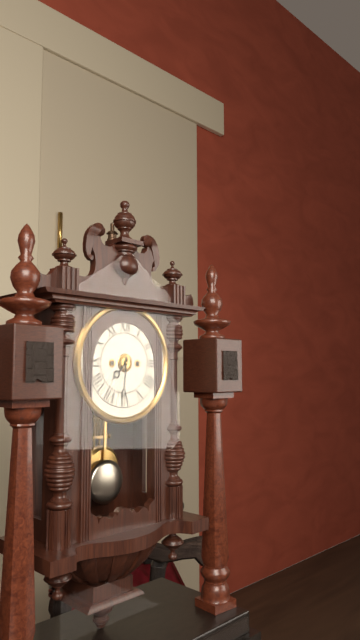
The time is 7h31
